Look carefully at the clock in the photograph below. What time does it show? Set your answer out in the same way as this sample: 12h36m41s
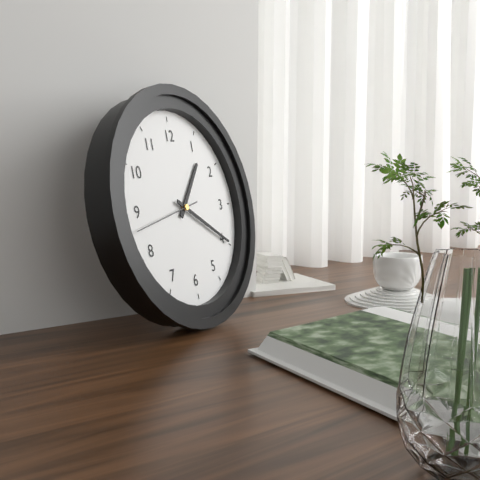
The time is 1h20m43s
